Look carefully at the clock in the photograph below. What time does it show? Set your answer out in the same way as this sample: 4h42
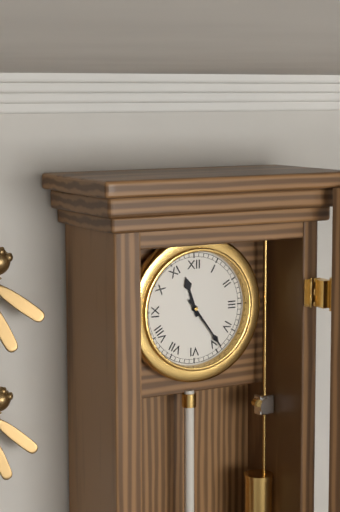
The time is 11h24
